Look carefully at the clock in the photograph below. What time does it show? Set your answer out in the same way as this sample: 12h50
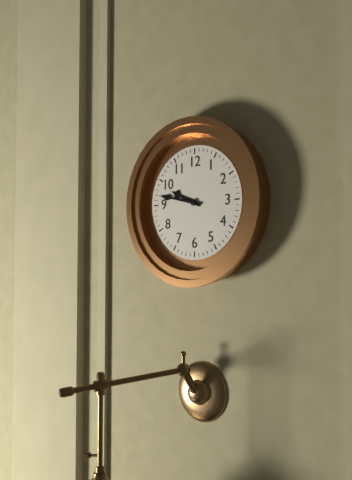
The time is 9h47
